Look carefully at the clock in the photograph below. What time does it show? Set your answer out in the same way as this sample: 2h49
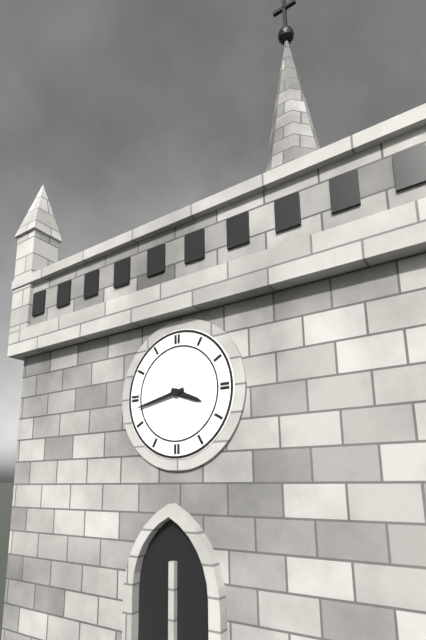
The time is 3h43
